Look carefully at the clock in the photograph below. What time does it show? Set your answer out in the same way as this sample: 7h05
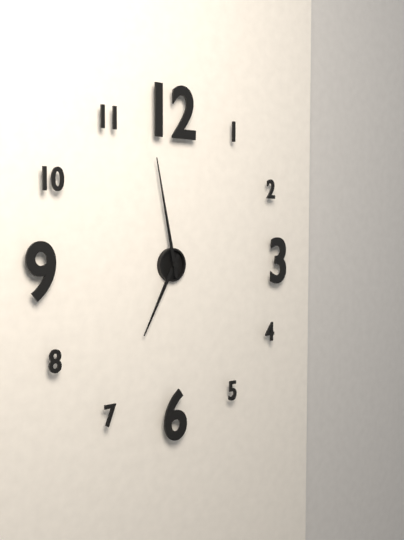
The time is 6h58
